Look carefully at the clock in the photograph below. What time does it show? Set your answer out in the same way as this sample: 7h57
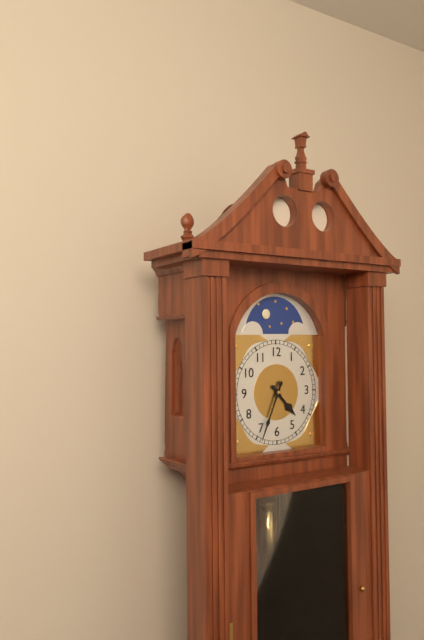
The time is 4h34
